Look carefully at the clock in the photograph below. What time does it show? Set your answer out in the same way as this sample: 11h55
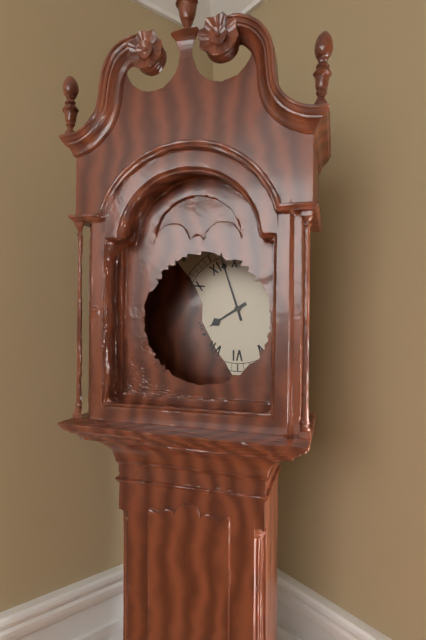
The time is 7h57
